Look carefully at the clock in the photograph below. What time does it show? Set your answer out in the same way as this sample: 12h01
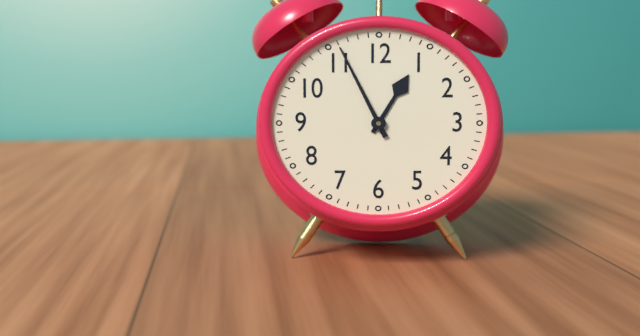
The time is 12h56
